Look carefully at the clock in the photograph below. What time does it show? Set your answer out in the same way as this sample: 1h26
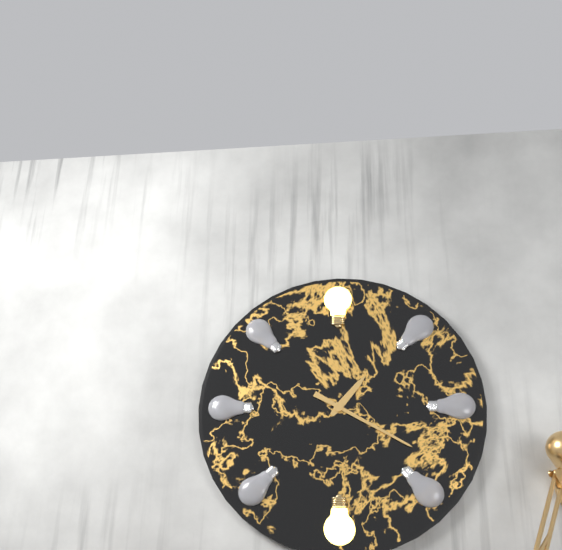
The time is 1h20
